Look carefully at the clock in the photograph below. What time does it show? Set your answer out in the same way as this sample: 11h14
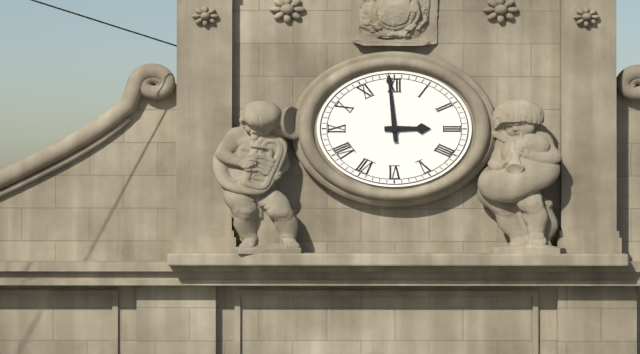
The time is 2h59
